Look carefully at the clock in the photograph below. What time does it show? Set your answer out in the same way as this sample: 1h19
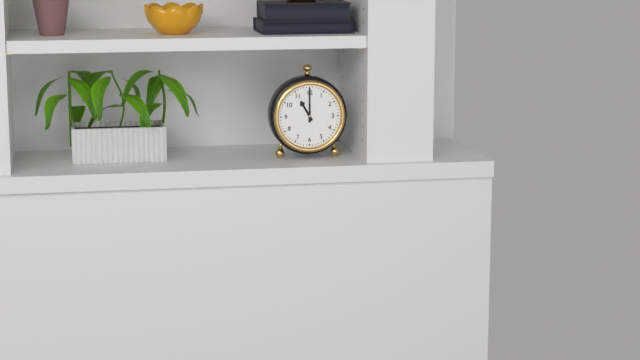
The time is 11h00
